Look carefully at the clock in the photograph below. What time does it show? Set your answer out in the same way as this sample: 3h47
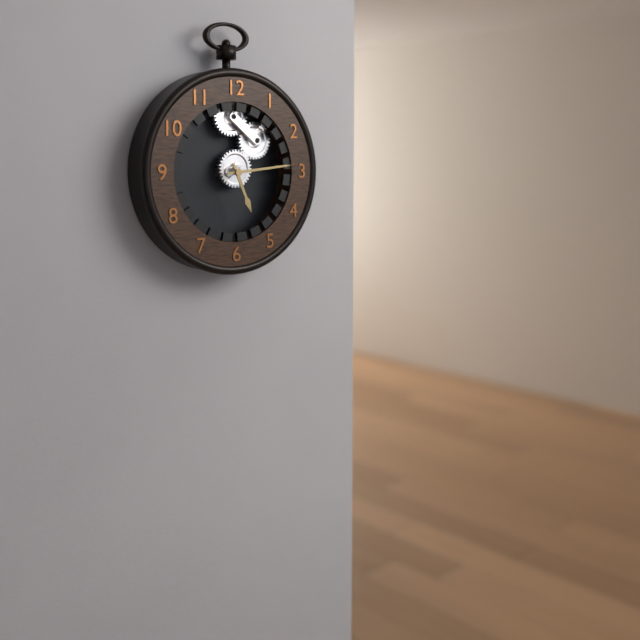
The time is 5h14
